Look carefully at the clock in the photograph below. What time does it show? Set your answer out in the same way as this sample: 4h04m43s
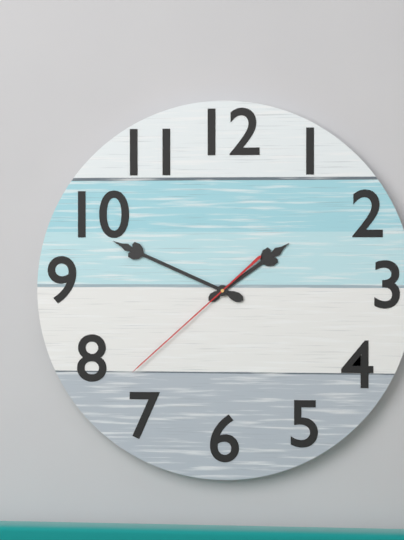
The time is 1h49m38s
